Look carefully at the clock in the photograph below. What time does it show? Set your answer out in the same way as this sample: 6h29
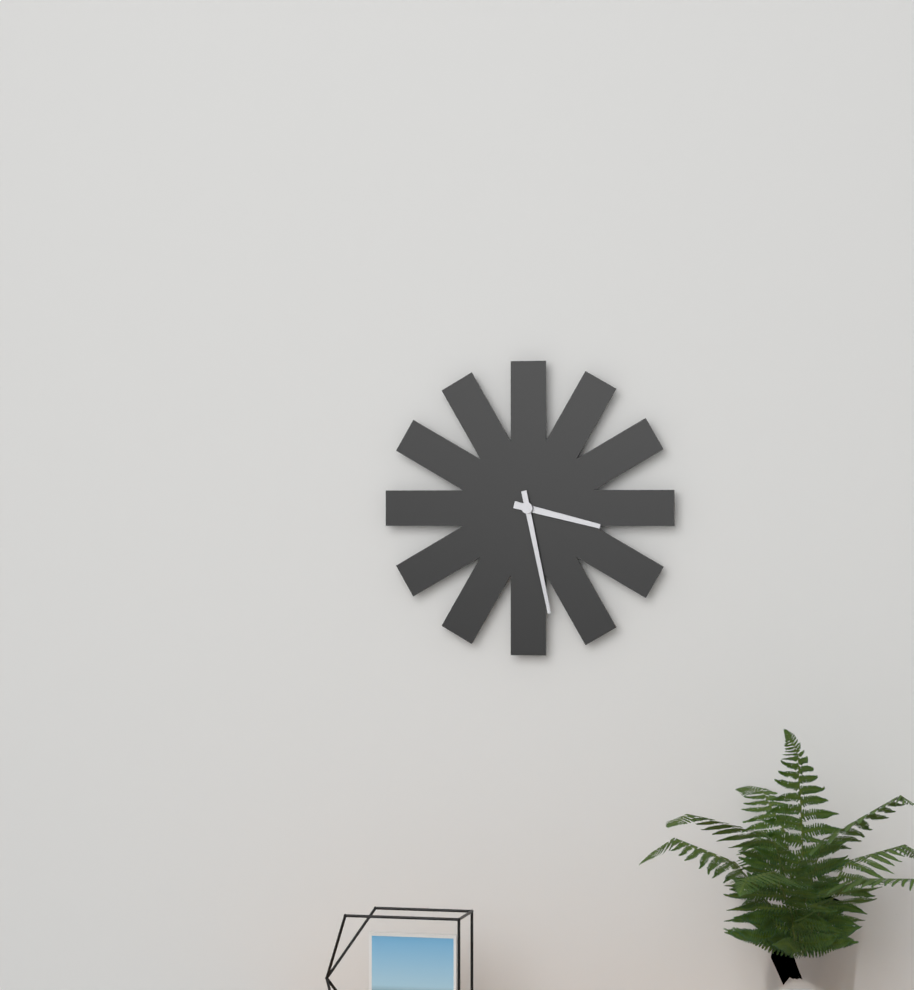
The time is 3h28
